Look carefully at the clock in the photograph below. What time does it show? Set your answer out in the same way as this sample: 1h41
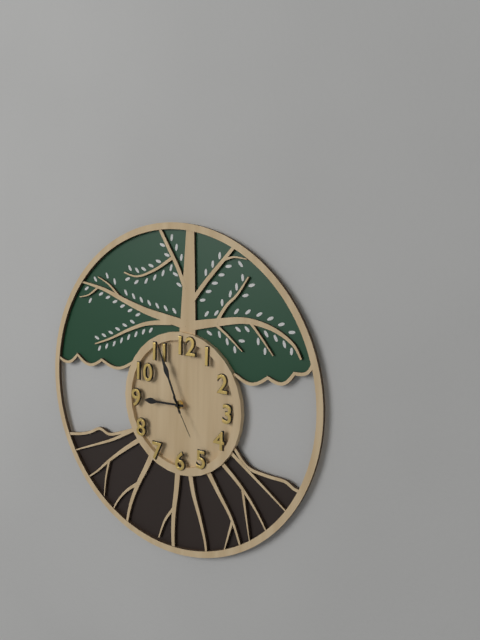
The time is 8h56
